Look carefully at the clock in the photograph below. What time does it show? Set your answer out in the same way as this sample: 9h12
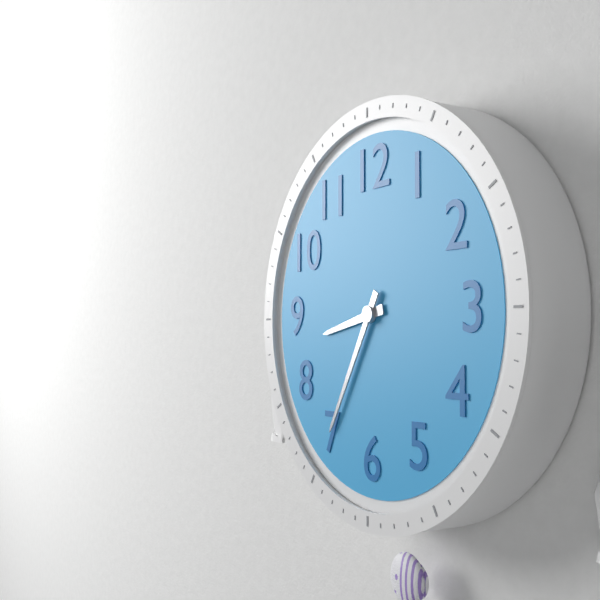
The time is 8h35
